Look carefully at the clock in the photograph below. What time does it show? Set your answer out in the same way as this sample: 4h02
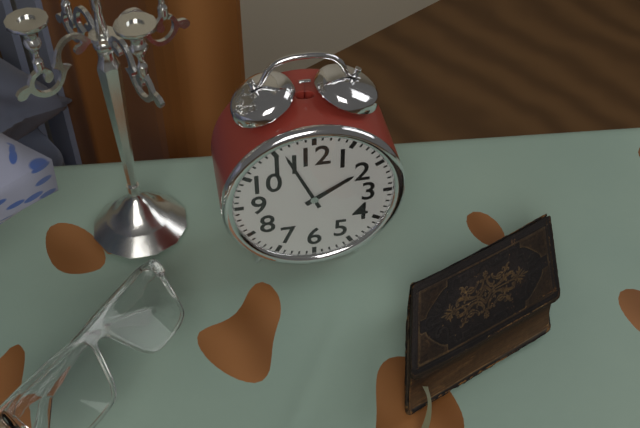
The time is 1h56
